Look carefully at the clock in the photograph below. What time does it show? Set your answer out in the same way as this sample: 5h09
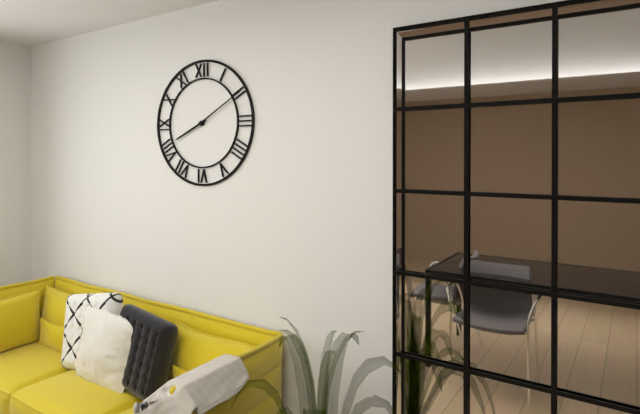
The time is 8h10
